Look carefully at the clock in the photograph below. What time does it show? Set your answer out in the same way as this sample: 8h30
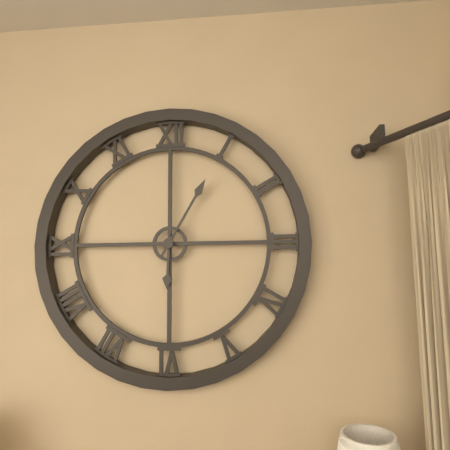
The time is 6h05
